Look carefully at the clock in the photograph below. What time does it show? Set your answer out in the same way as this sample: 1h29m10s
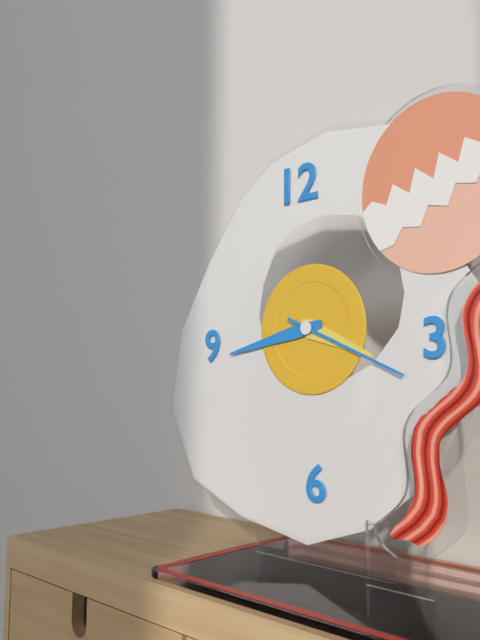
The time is 3h43m19s
